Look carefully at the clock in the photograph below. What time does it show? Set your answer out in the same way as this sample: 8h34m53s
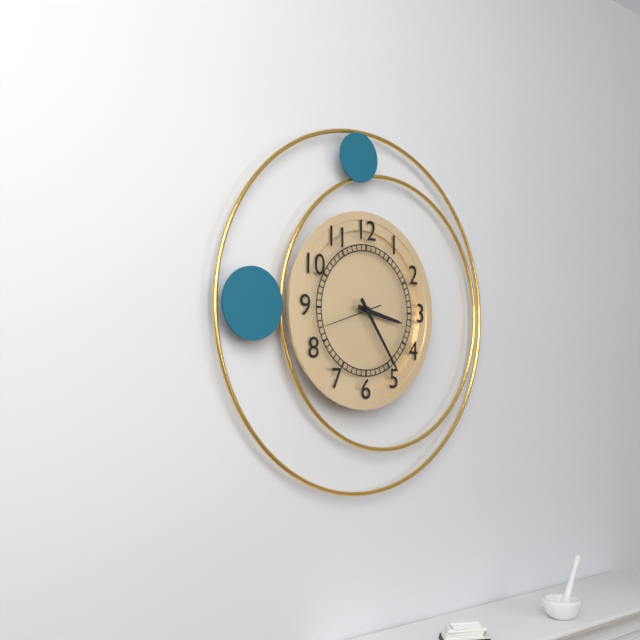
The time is 3h24m42s
